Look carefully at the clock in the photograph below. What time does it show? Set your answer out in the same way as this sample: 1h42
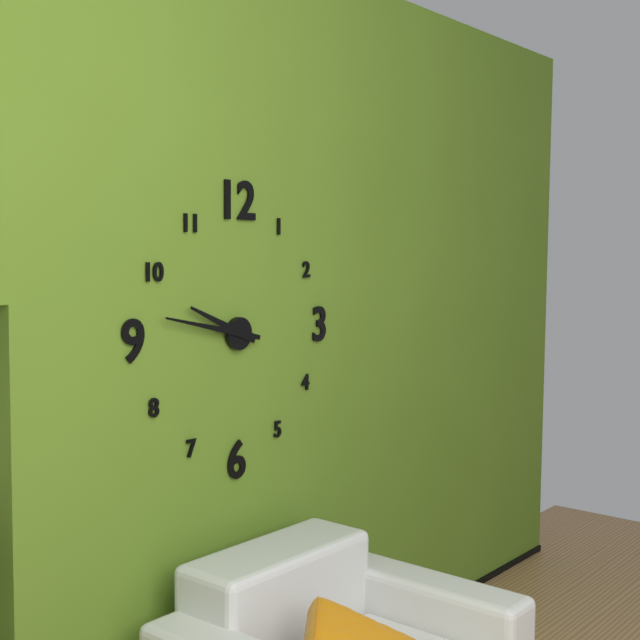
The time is 9h47
